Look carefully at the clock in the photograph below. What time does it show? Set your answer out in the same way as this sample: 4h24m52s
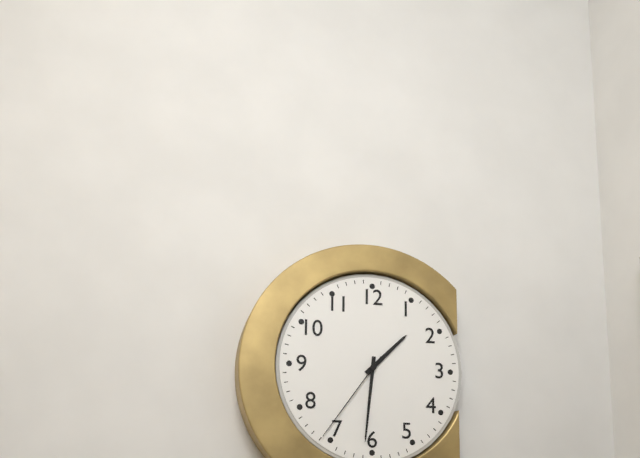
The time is 1h31m36s
